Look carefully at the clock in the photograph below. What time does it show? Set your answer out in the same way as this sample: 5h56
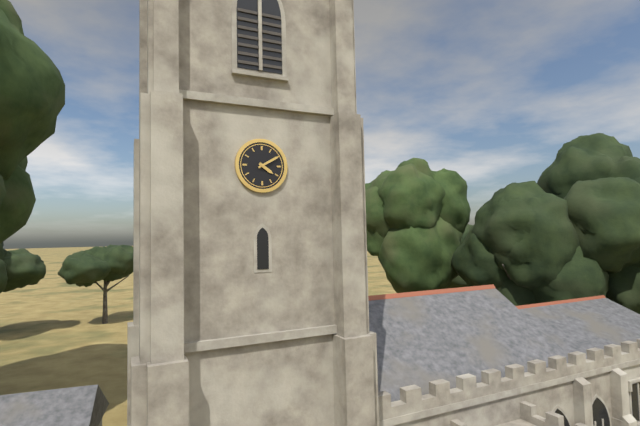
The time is 4h10
